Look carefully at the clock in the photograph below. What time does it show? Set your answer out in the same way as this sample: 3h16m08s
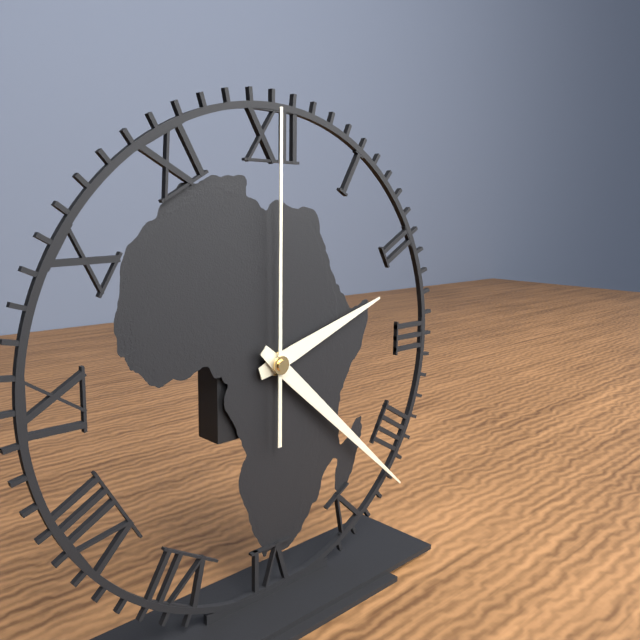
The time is 2h22m00s
